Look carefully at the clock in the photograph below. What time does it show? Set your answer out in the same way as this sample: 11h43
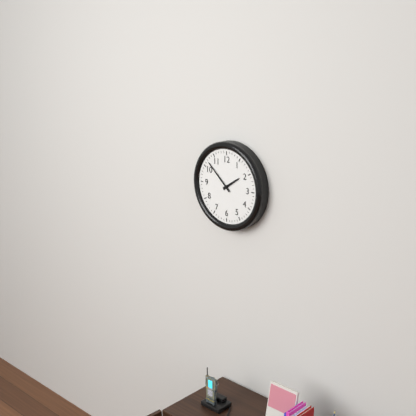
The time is 1h52
